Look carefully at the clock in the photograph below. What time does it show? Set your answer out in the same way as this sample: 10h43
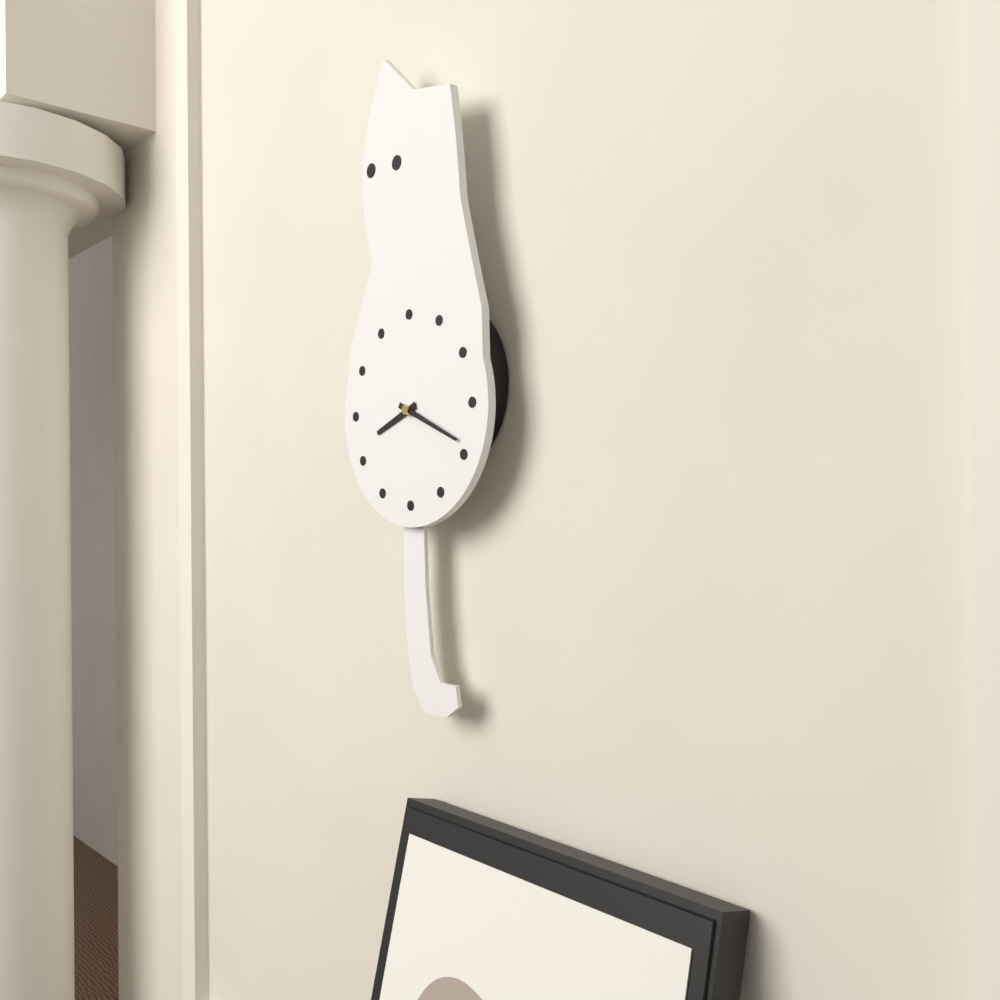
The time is 8h19
